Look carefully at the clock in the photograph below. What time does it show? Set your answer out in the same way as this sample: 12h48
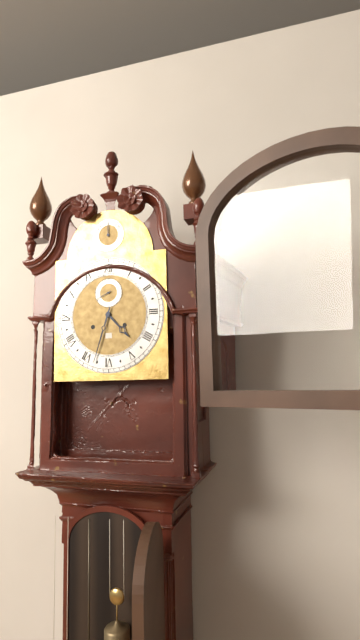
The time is 4h33
